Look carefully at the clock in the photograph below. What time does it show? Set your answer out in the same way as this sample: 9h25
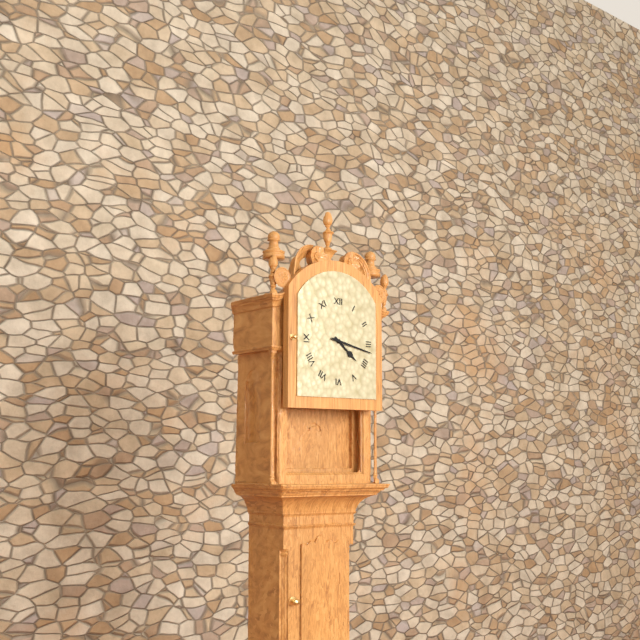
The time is 4h17
